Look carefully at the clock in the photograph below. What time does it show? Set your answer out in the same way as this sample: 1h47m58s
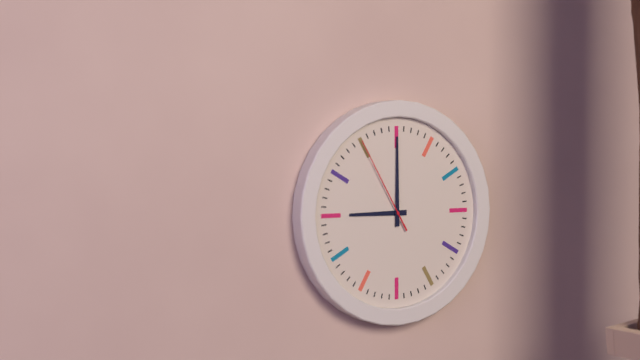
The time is 9h00m55s
